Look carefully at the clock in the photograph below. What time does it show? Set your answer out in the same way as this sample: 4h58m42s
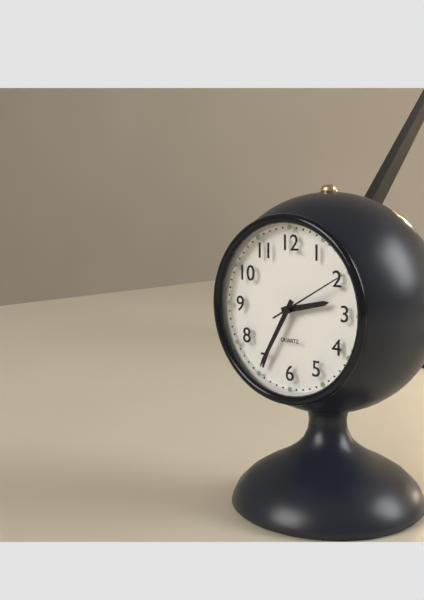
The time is 2h35m10s
